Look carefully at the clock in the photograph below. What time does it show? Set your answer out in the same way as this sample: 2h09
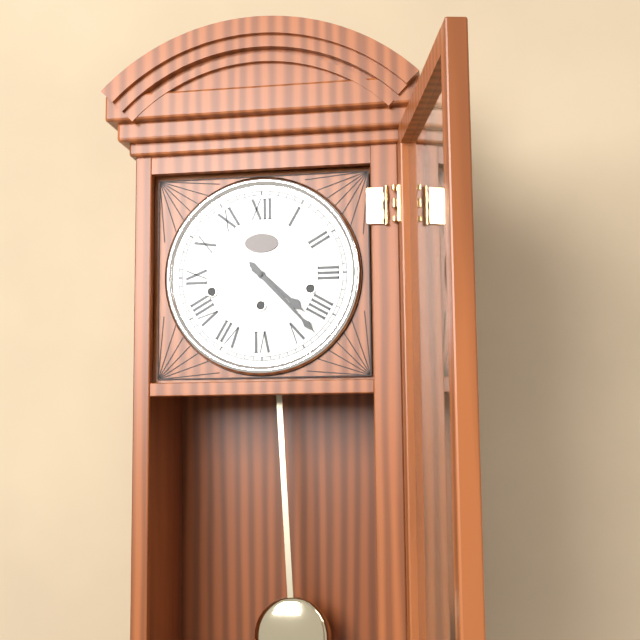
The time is 4h23
